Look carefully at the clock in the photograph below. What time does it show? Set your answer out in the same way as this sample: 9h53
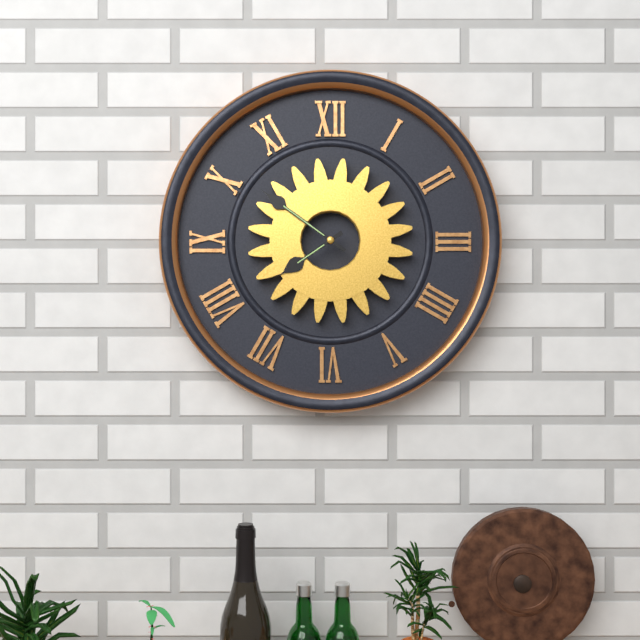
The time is 7h51
